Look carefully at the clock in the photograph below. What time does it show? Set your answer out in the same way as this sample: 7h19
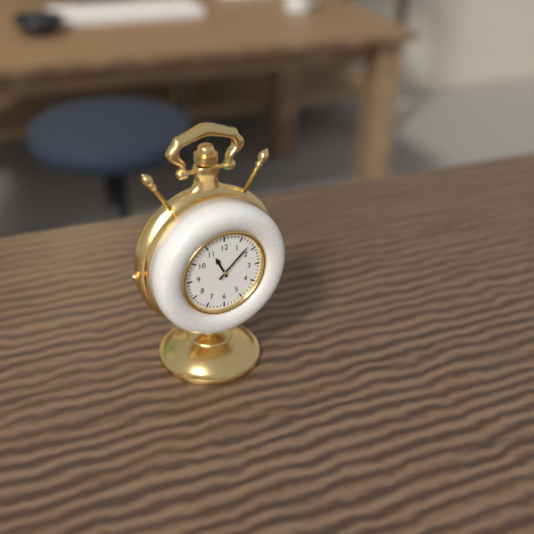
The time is 11h08
